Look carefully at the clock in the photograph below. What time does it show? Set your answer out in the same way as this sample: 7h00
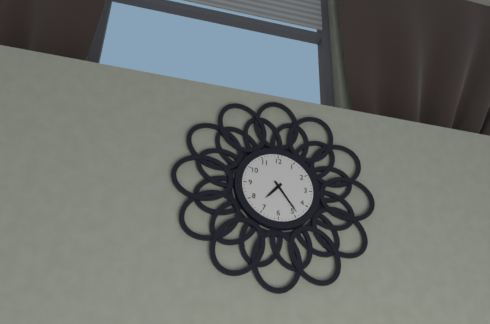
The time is 7h24
